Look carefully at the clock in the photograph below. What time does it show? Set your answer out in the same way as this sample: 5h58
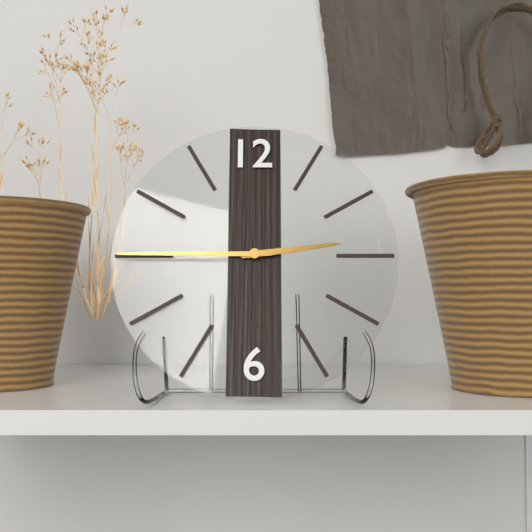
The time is 2h45
